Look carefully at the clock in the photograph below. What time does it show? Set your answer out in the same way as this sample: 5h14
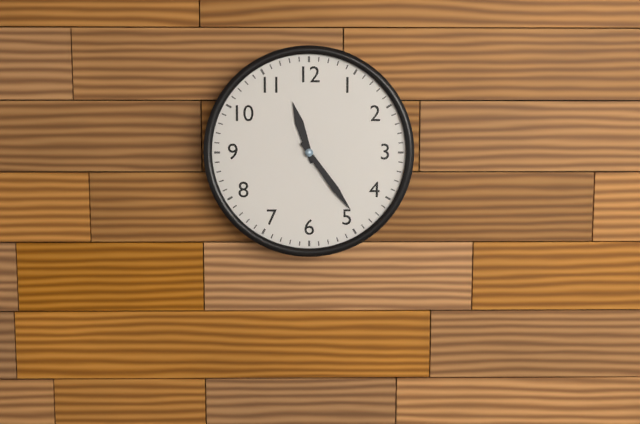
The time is 11h24
